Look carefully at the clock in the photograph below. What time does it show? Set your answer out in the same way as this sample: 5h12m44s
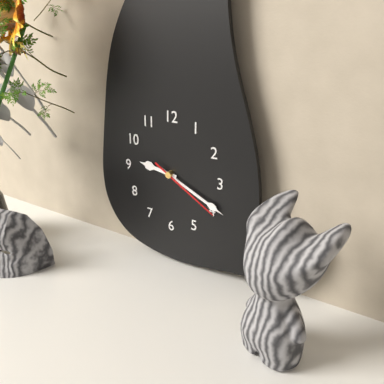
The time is 9h19m20s
